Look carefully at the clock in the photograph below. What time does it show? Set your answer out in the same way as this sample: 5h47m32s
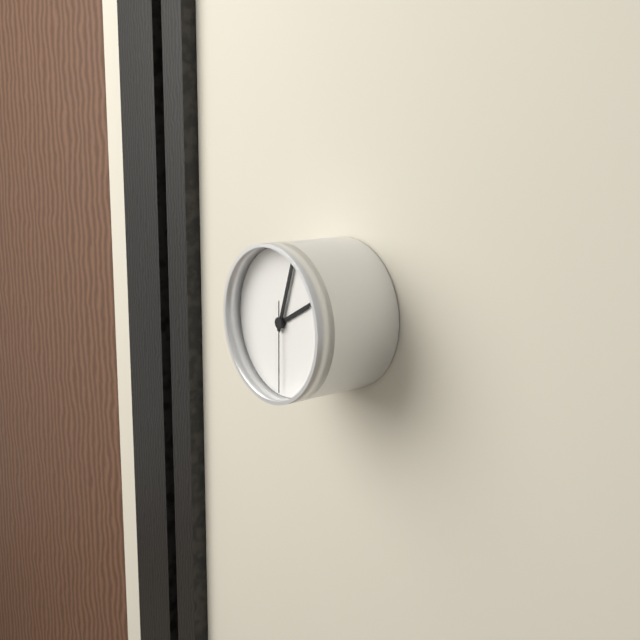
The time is 2h03m30s
